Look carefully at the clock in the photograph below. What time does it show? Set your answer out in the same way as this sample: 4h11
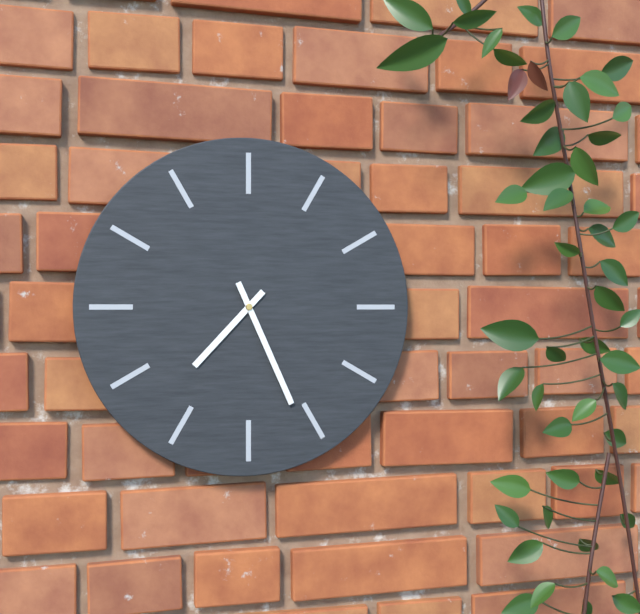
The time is 7h26
